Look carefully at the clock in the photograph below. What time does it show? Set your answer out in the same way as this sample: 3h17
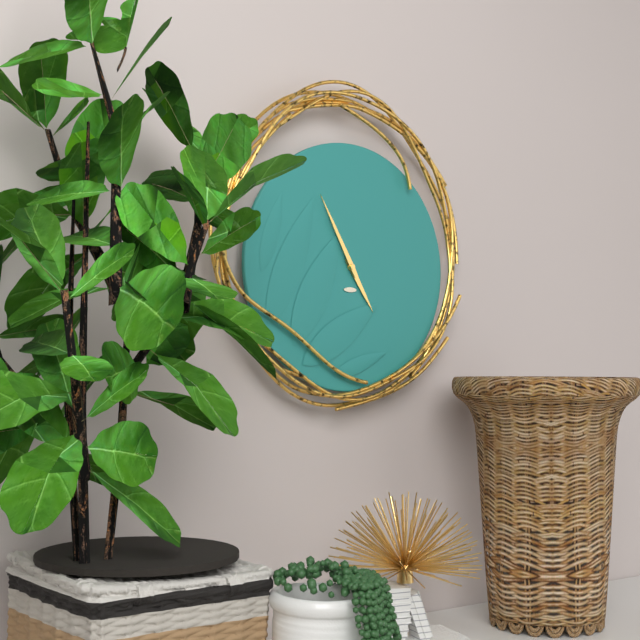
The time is 4h55
